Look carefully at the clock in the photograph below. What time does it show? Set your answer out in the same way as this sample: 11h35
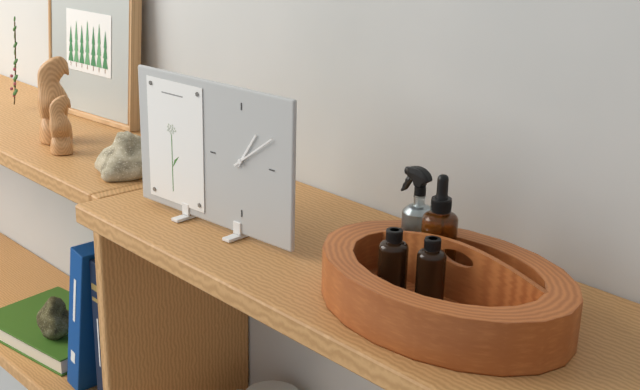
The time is 1h09
